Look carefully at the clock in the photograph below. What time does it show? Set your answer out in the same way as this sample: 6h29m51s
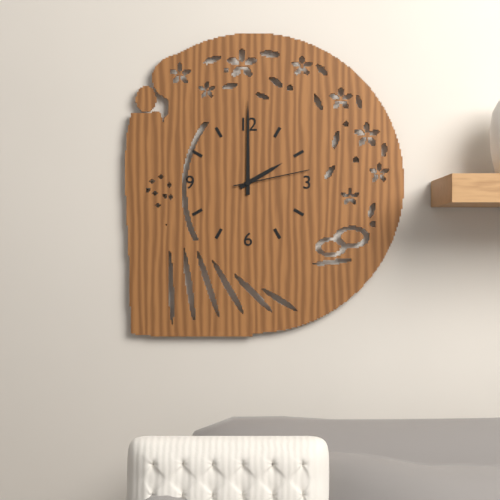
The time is 2h00m13s
